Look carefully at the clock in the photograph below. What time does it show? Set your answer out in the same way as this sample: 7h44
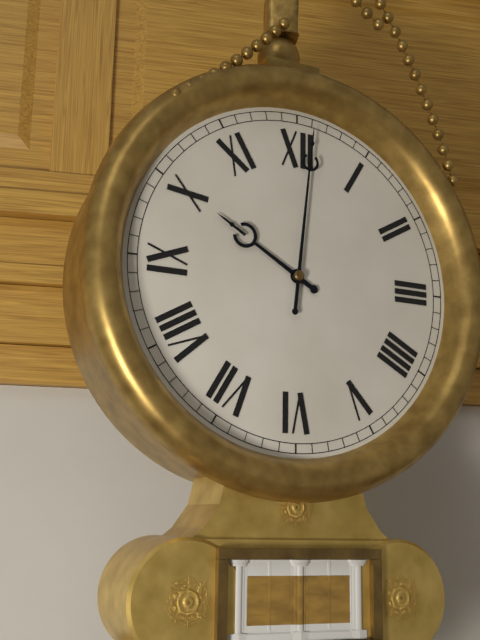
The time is 10h01
